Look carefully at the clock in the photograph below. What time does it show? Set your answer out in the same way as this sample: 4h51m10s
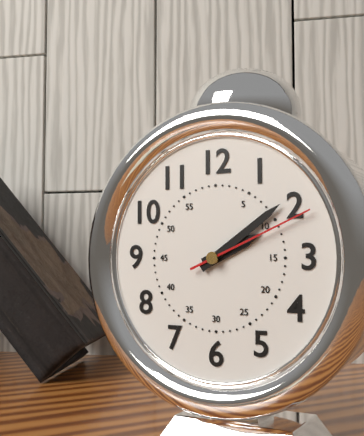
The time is 2h09m11s
